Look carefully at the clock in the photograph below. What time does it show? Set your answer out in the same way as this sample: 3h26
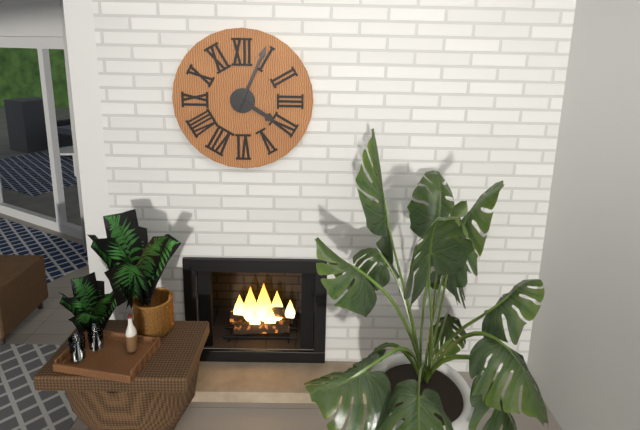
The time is 4h04
